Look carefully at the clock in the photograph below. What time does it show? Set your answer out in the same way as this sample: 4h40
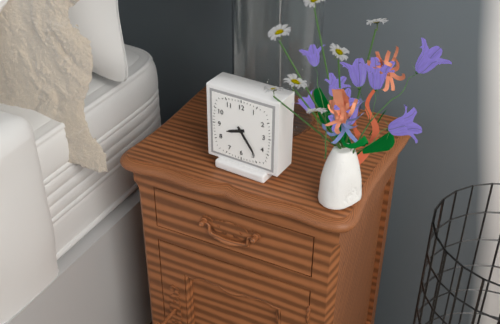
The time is 8h24
